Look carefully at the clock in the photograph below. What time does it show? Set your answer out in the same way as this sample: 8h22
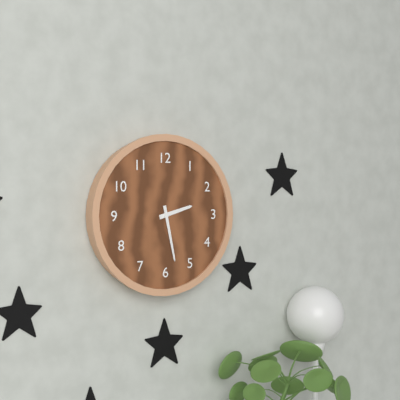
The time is 2h28
